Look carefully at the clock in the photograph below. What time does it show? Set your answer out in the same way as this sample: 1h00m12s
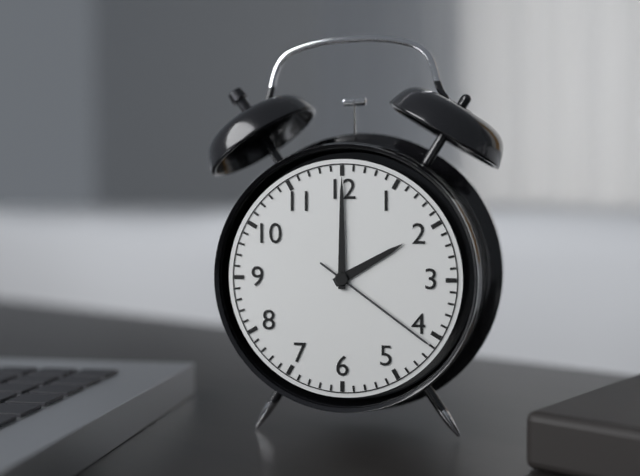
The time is 2h00m21s
